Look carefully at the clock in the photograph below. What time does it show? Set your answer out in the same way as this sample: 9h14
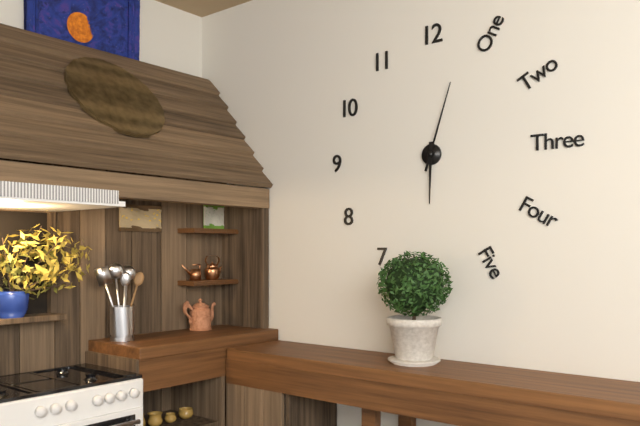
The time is 6h03
